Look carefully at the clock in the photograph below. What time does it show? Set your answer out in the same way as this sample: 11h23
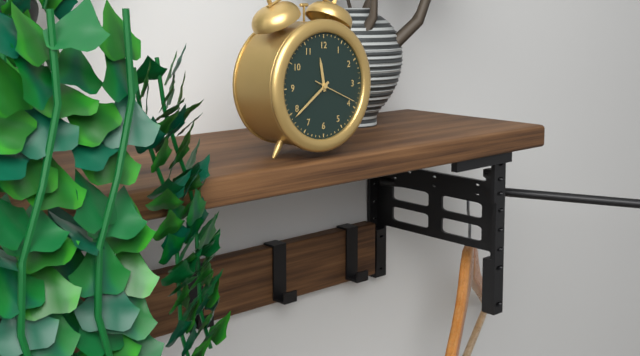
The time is 11h39
